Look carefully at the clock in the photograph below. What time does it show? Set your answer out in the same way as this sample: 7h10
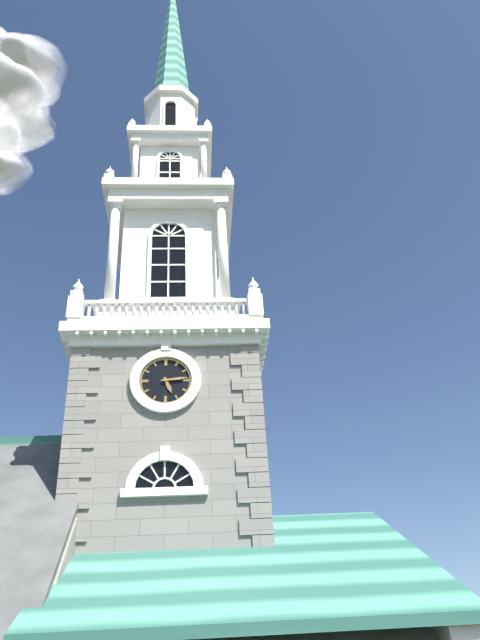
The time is 5h14
